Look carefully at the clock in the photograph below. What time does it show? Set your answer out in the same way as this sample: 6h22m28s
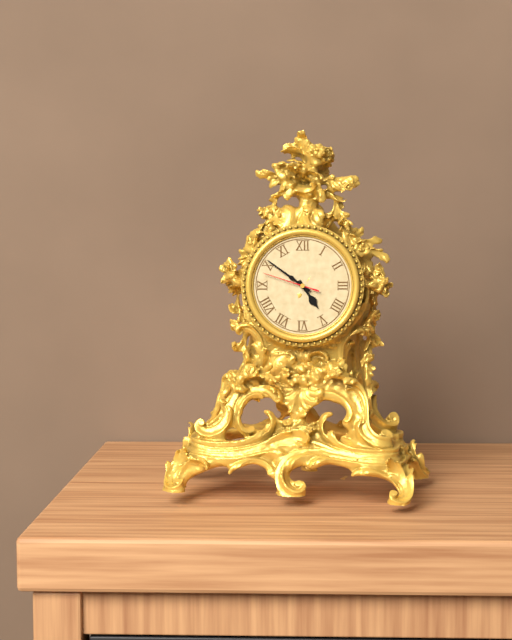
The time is 4h51m48s
